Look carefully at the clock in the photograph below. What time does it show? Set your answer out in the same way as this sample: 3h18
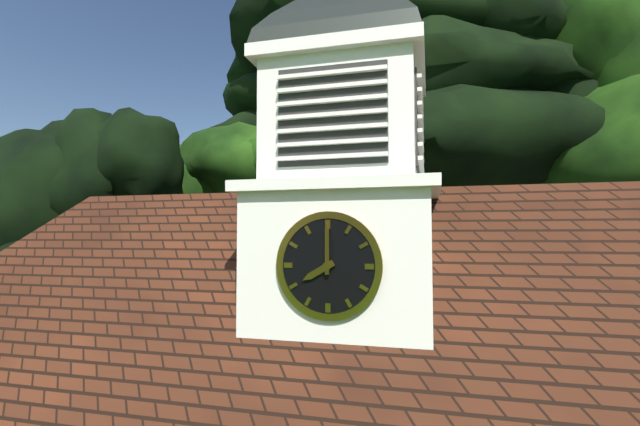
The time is 8h00
